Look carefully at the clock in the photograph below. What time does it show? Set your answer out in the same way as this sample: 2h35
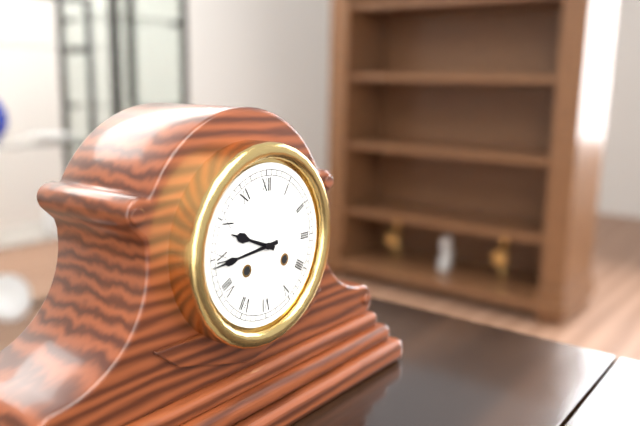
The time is 9h44
